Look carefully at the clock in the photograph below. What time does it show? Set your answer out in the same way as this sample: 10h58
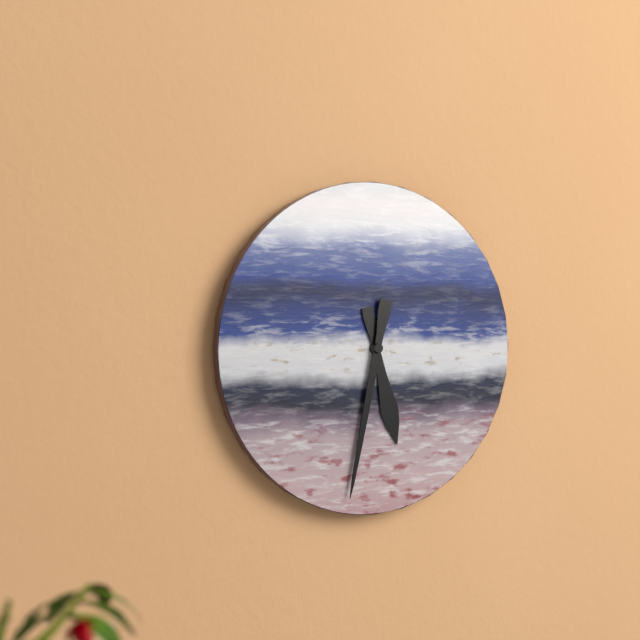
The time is 5h32
